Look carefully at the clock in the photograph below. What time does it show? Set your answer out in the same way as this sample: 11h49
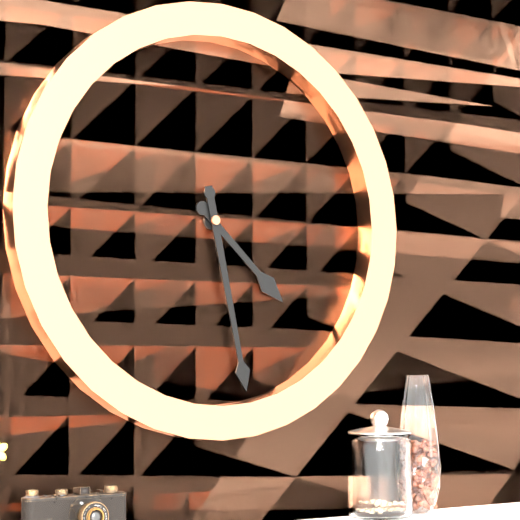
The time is 4h28
